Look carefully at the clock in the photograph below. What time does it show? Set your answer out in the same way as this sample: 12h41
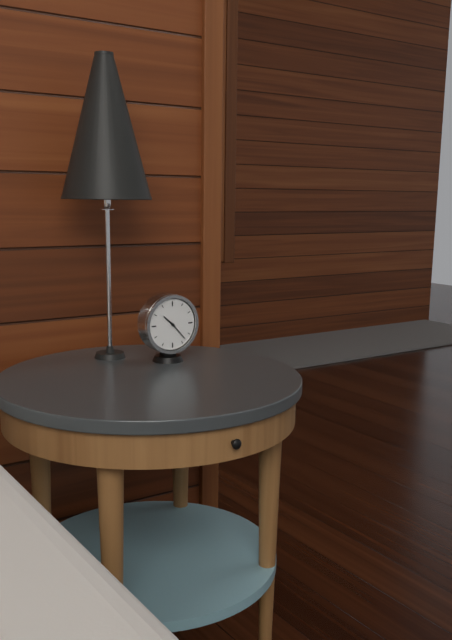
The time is 10h23
